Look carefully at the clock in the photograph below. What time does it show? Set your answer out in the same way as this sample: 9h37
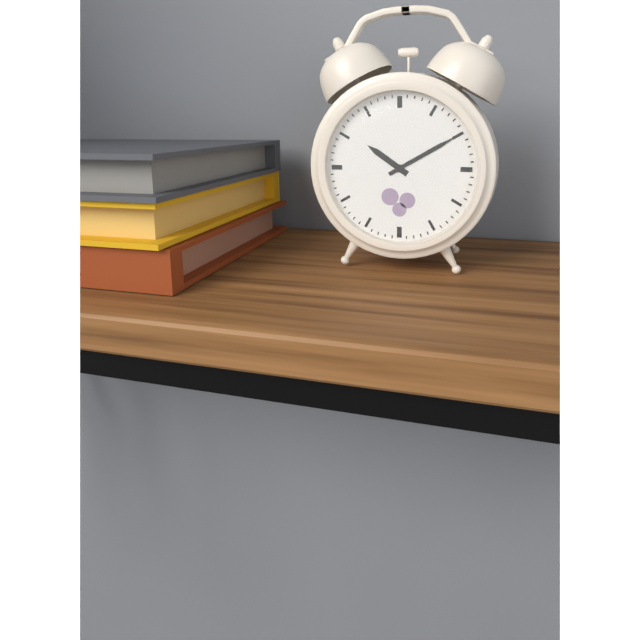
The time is 10h10
